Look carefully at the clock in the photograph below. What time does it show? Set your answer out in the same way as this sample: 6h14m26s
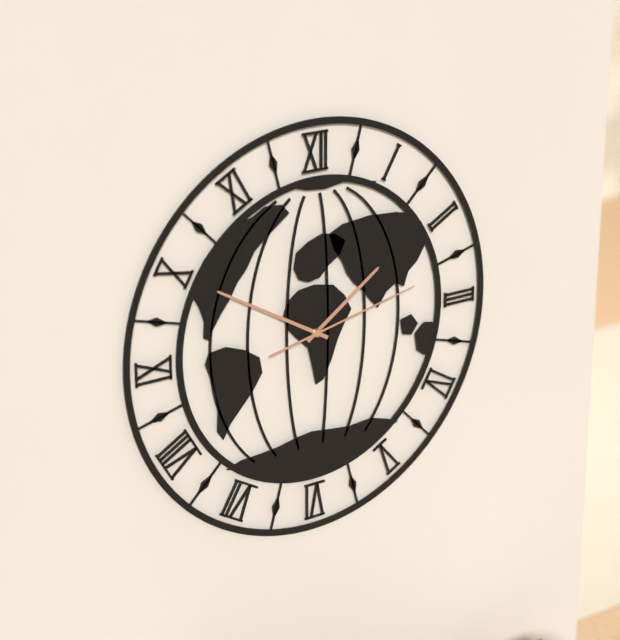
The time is 1h50m13s
